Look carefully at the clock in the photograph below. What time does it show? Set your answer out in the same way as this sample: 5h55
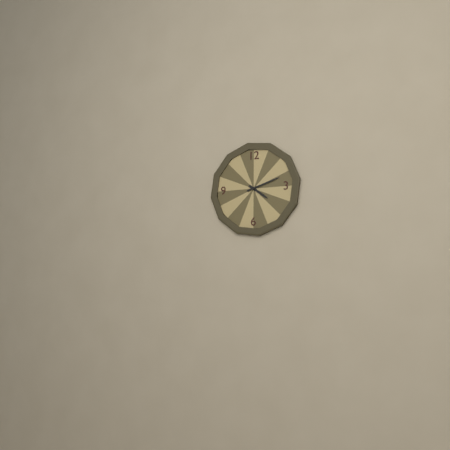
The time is 4h12
